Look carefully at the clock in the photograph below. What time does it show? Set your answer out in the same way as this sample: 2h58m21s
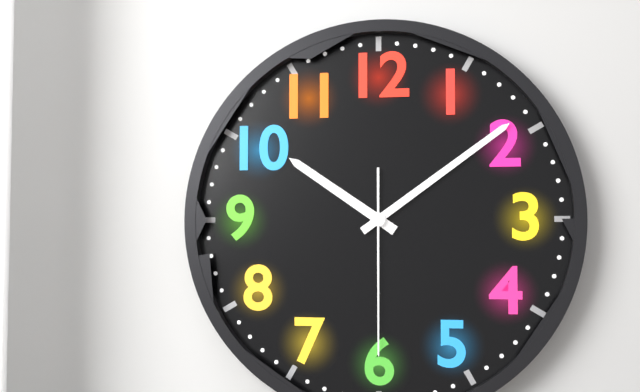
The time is 10h09m30s
